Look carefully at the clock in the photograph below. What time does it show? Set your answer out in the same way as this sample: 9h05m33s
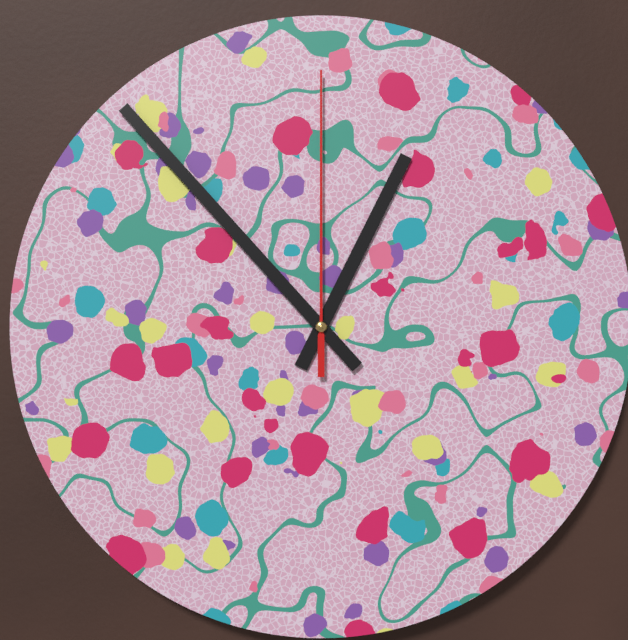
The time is 12h53m00s
